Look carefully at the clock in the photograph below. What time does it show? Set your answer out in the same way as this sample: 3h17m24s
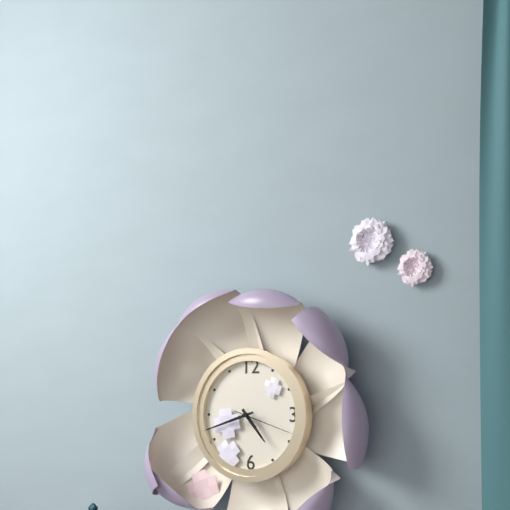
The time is 4h42m18s
